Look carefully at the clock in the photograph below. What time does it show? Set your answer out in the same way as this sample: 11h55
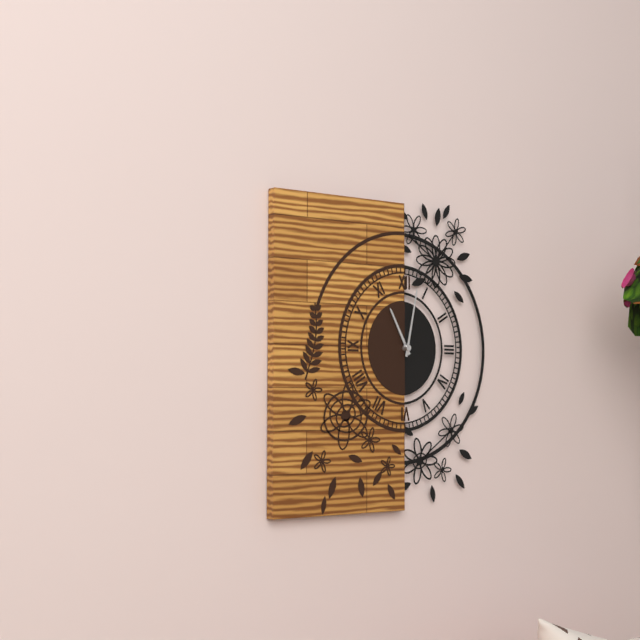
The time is 11h02
